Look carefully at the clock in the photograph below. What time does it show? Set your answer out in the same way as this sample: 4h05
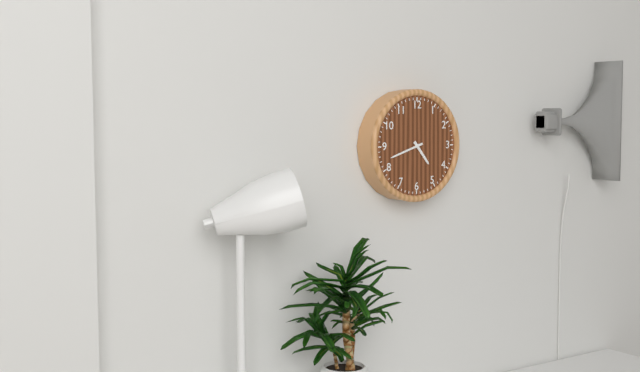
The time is 4h42
